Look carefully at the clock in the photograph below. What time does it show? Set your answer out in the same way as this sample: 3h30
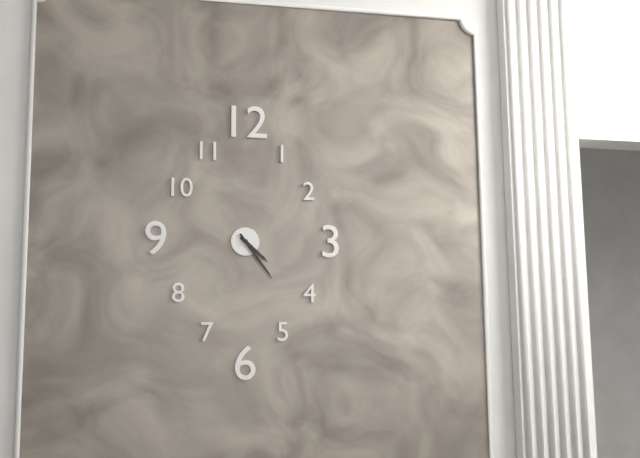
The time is 4h24
